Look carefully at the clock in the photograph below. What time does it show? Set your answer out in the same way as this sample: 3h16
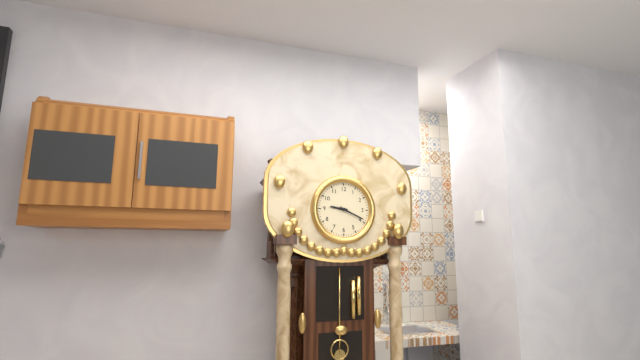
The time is 9h19
